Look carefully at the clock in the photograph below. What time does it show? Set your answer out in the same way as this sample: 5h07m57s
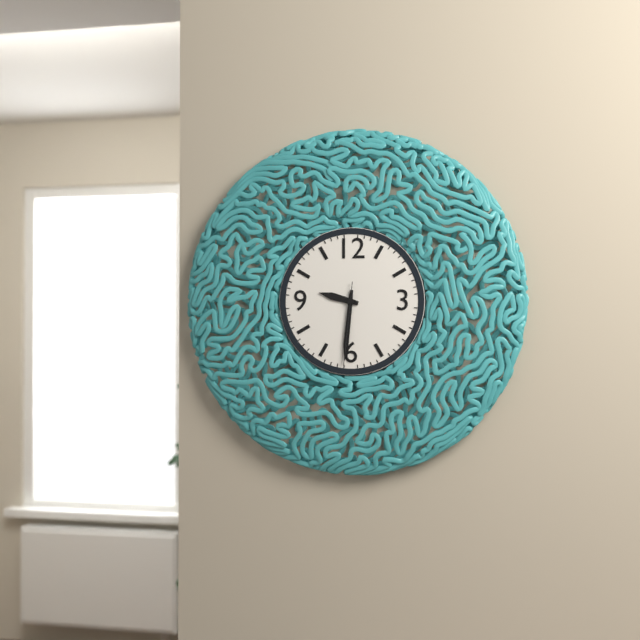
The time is 9h31m31s
